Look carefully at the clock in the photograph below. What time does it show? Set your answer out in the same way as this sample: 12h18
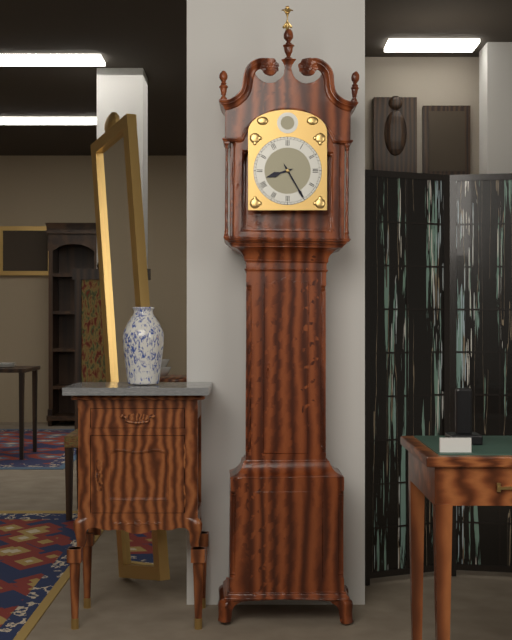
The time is 8h25
